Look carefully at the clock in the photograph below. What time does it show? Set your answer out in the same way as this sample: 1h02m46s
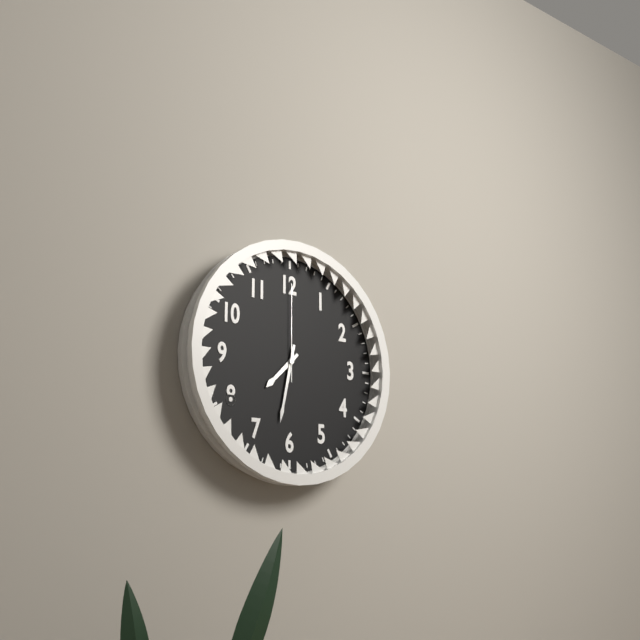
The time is 7h32m00s
